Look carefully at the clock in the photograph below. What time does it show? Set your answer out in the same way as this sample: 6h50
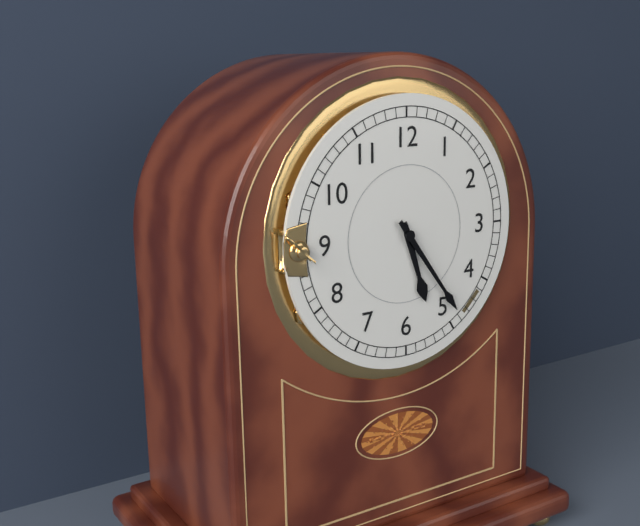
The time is 5h24
